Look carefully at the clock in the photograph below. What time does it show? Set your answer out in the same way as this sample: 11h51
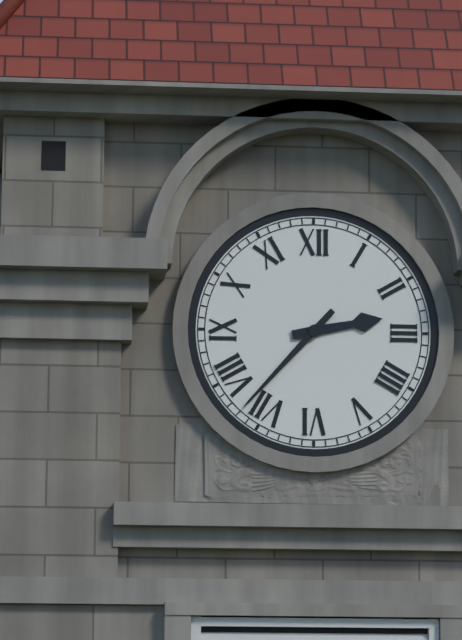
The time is 2h37
